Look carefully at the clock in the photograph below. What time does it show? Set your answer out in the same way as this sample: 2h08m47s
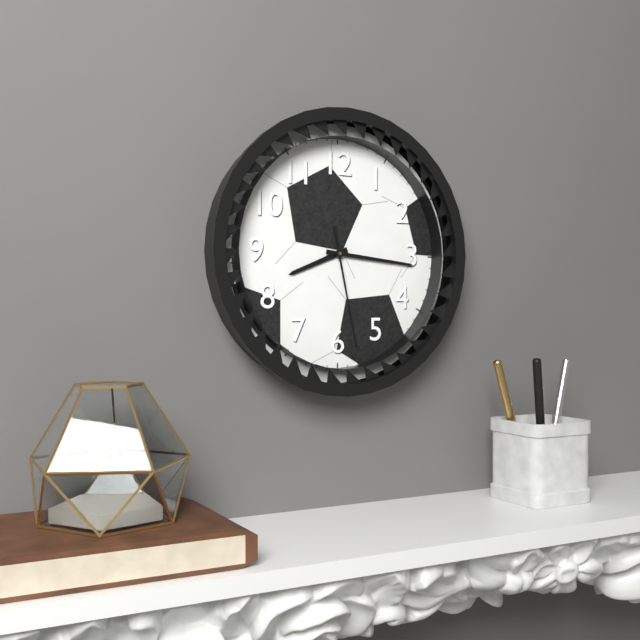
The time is 8h16m28s
